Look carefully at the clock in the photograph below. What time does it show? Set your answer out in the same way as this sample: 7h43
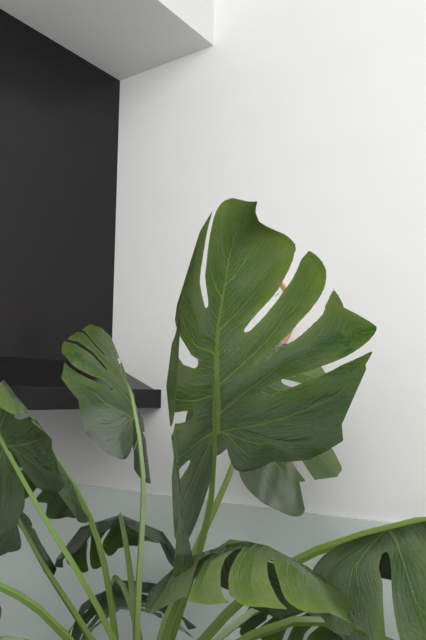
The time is 1h40
